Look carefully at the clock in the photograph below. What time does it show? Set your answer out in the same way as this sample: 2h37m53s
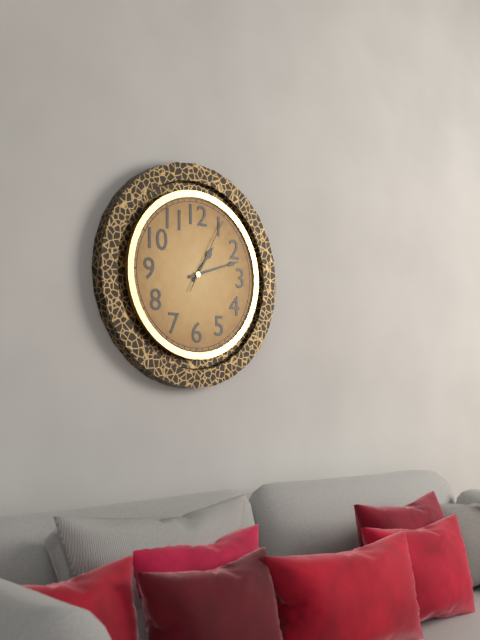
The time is 1h12m05s
